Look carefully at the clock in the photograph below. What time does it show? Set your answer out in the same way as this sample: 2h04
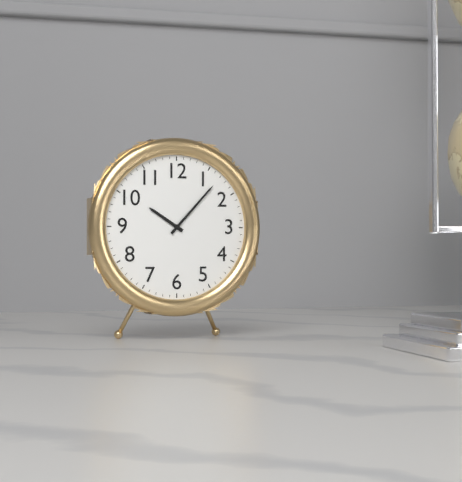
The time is 10h07
